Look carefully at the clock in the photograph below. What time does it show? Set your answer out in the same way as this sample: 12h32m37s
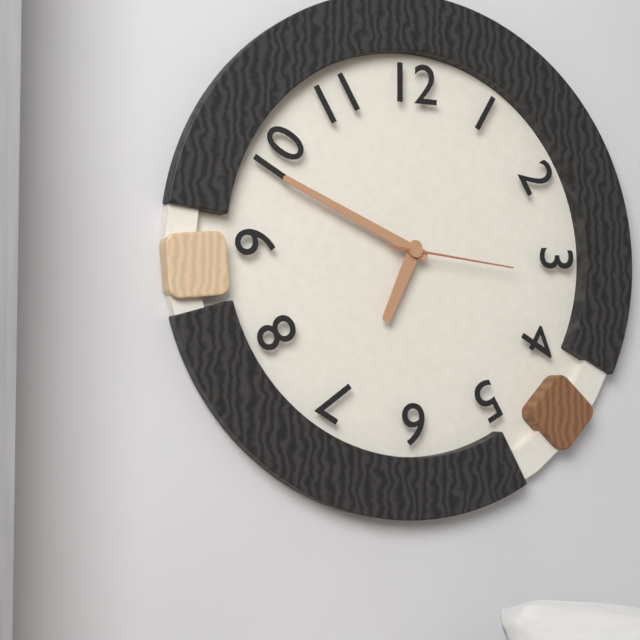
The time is 6h49m16s
